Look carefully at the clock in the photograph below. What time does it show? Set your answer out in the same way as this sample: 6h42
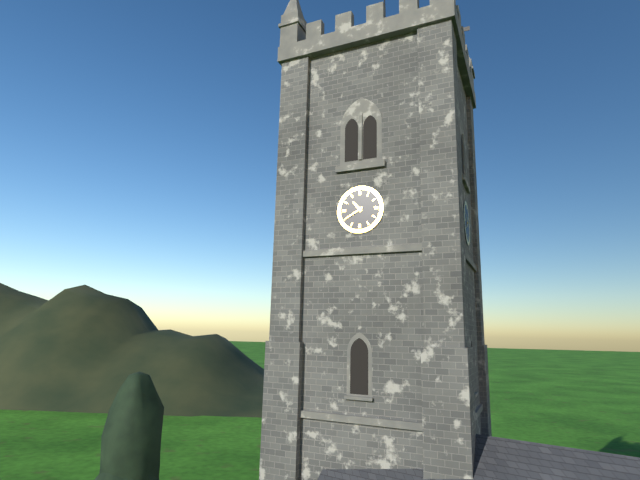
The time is 10h40
